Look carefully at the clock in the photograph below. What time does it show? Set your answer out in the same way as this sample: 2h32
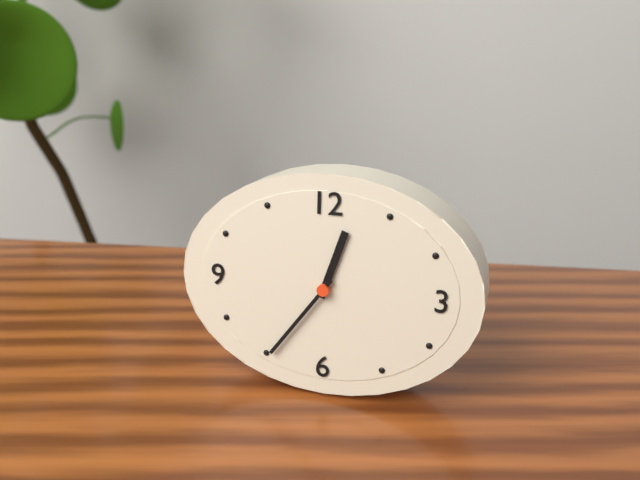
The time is 12h36
